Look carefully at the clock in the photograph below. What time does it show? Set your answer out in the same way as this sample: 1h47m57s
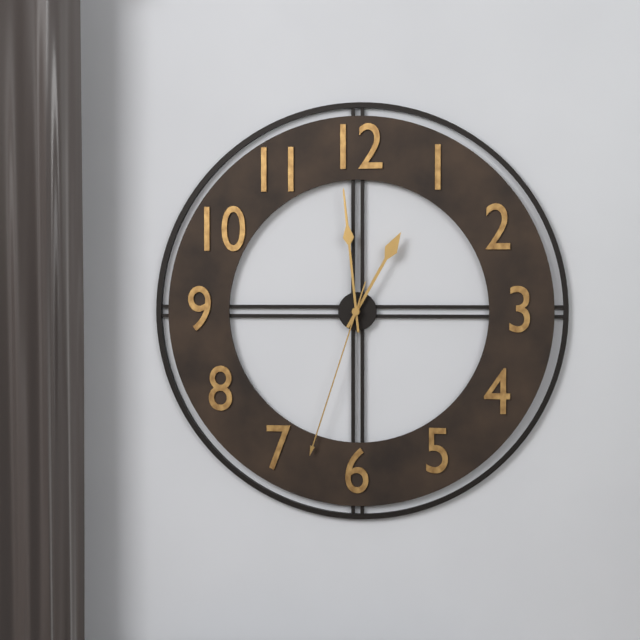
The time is 12h59m33s
